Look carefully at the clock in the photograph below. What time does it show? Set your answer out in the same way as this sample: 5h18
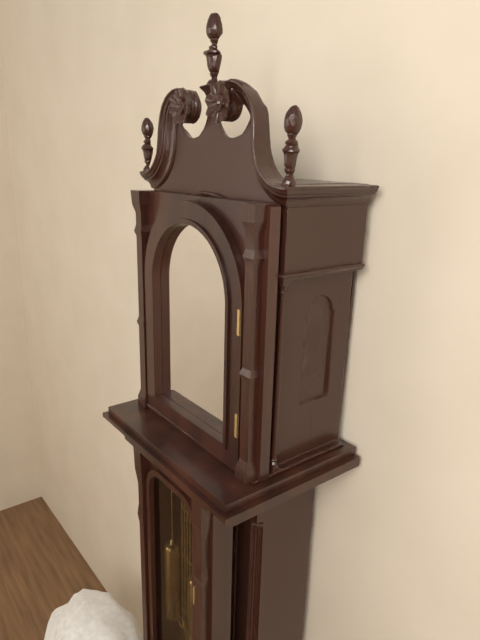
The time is 8h05
